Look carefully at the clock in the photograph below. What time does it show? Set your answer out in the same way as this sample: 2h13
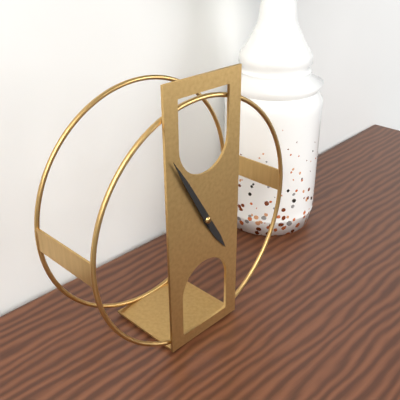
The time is 4h55
